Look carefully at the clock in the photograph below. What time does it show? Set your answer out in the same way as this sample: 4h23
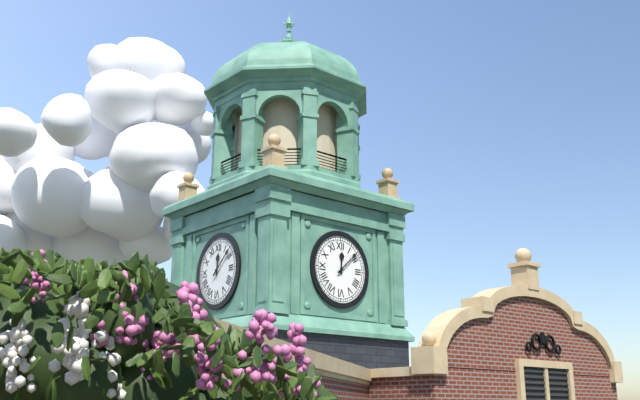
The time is 12h08
